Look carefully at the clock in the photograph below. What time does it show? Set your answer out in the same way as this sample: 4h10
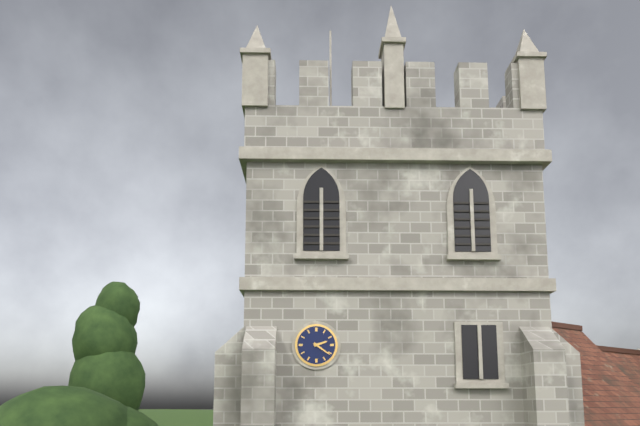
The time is 2h21
